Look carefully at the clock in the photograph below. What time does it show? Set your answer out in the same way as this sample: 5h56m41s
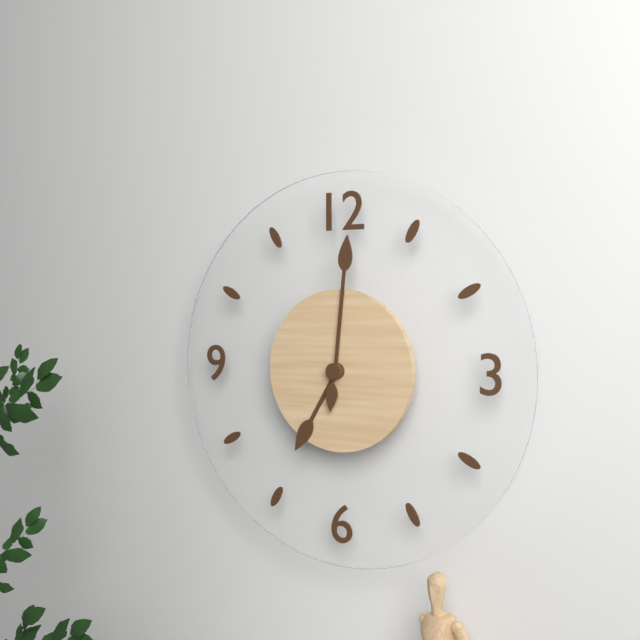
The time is 7h01m31s
